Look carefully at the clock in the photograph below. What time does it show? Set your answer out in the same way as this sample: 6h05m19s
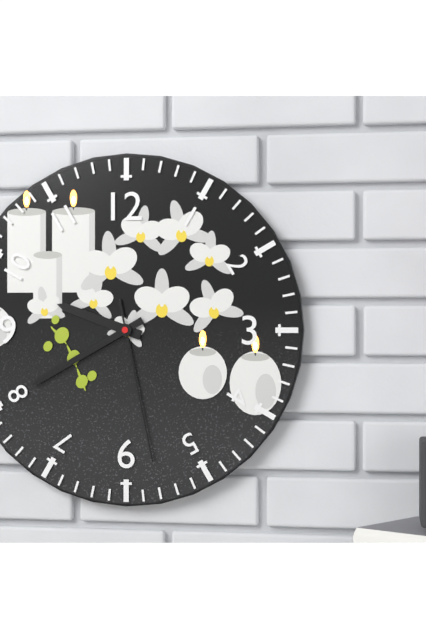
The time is 9h40m28s
